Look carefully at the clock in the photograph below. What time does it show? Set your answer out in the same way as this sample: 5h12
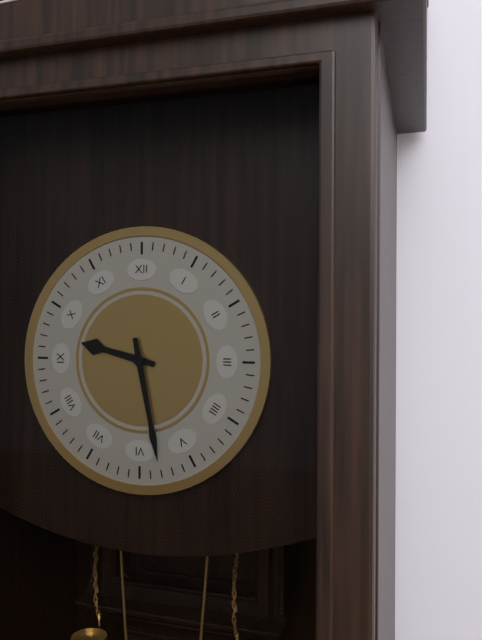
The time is 9h28
